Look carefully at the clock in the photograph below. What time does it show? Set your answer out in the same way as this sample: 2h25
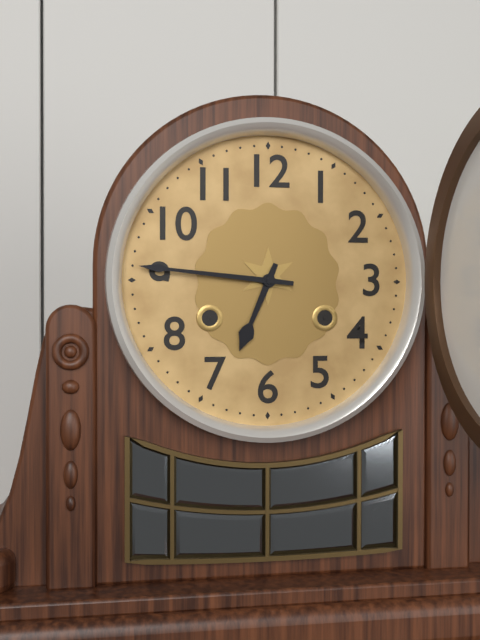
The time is 6h46
